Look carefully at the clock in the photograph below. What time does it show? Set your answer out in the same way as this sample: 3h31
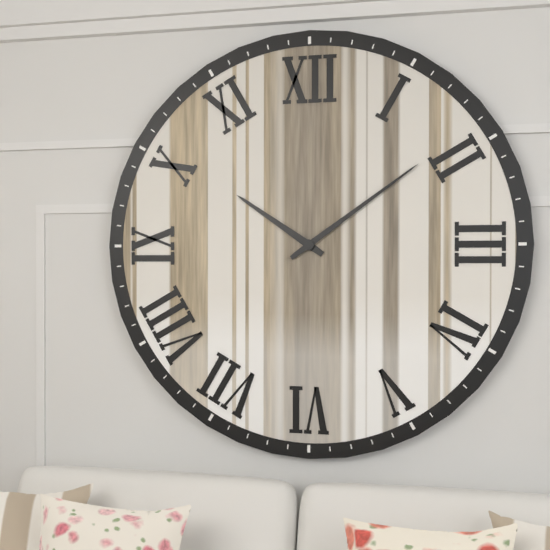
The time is 10h09
